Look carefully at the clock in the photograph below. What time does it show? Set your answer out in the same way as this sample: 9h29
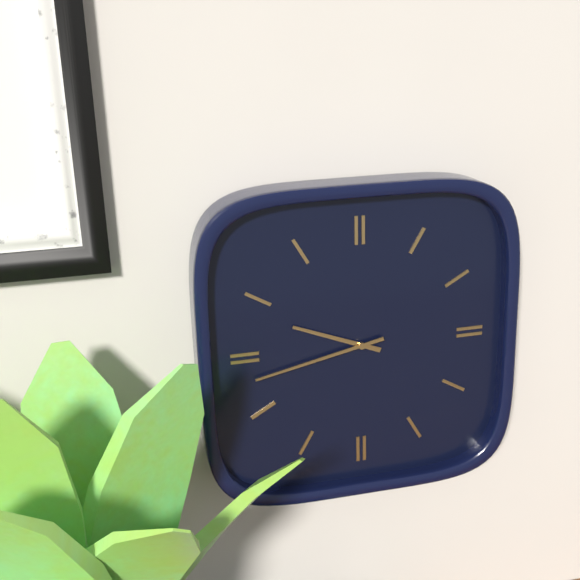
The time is 9h43
